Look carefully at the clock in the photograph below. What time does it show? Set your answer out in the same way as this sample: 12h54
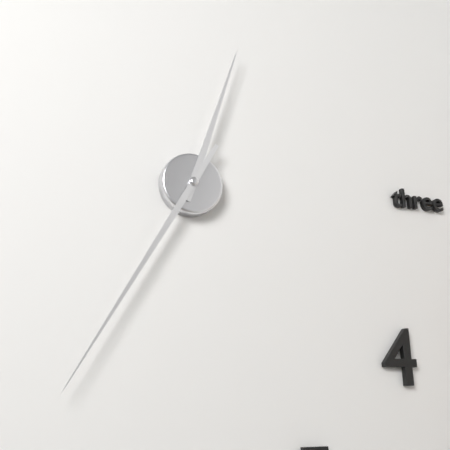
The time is 12h35
